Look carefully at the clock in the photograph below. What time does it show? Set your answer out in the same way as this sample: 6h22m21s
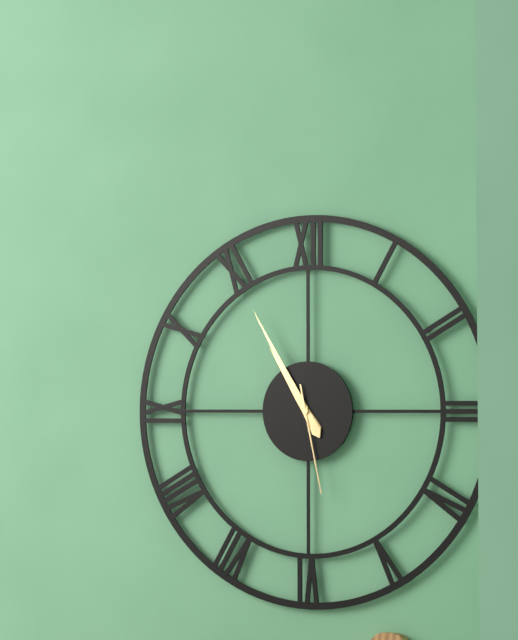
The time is 10h55m28s
